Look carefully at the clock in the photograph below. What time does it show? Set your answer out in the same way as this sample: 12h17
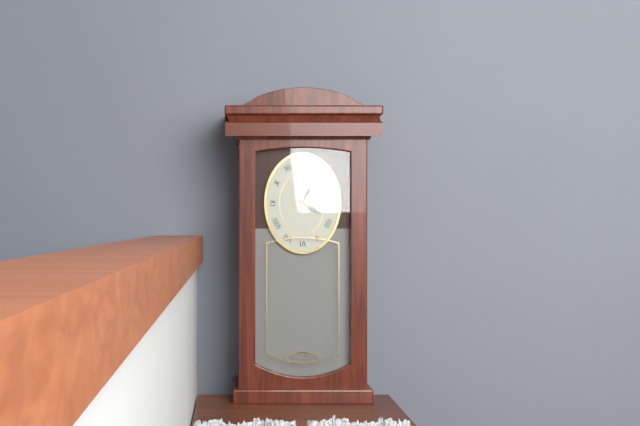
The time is 4h04
